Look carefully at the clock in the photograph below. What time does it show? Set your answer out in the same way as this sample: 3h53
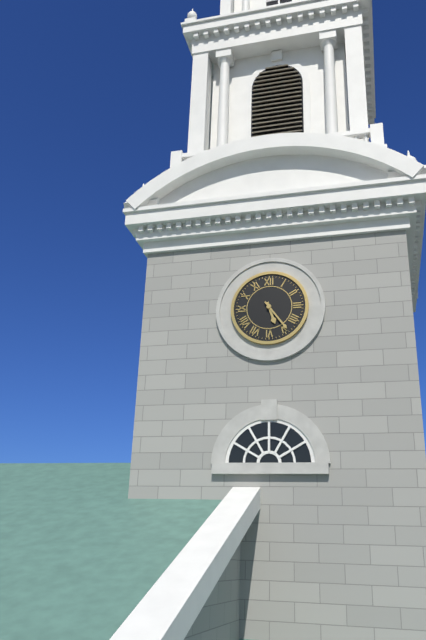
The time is 5h24
